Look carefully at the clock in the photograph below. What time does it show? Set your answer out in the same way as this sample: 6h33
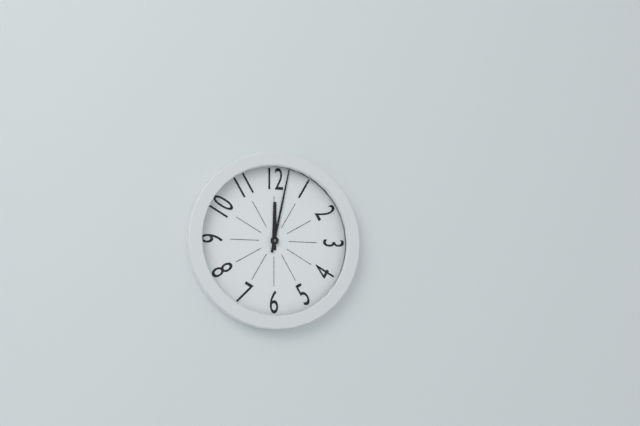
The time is 12h02
